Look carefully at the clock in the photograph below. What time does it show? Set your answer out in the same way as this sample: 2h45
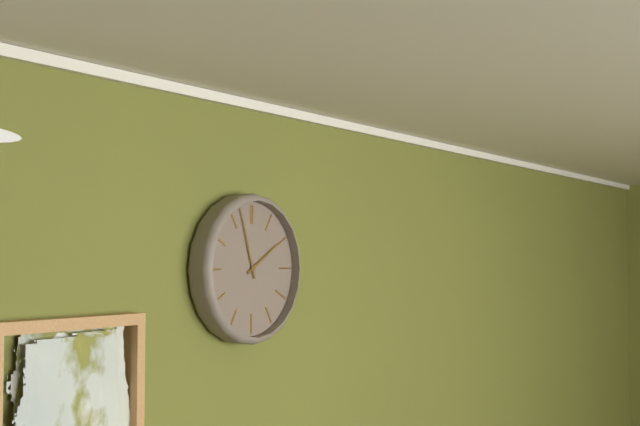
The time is 1h57
